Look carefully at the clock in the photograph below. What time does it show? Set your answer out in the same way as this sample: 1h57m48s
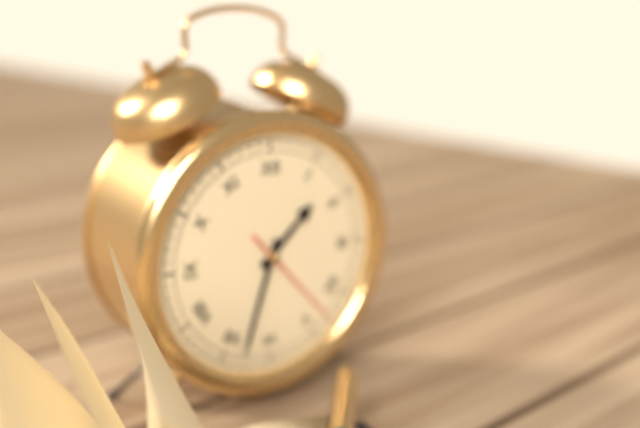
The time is 1h33m23s
